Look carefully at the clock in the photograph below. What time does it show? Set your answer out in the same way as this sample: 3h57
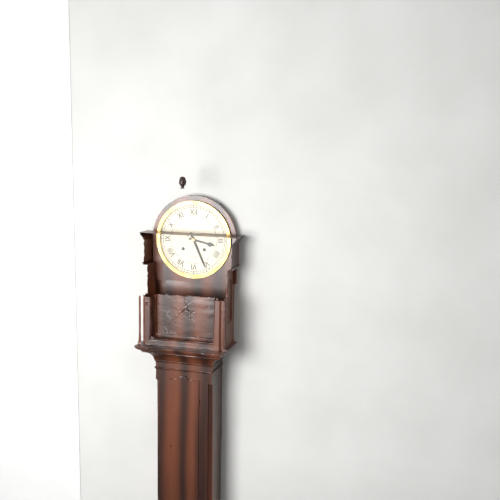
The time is 3h26
